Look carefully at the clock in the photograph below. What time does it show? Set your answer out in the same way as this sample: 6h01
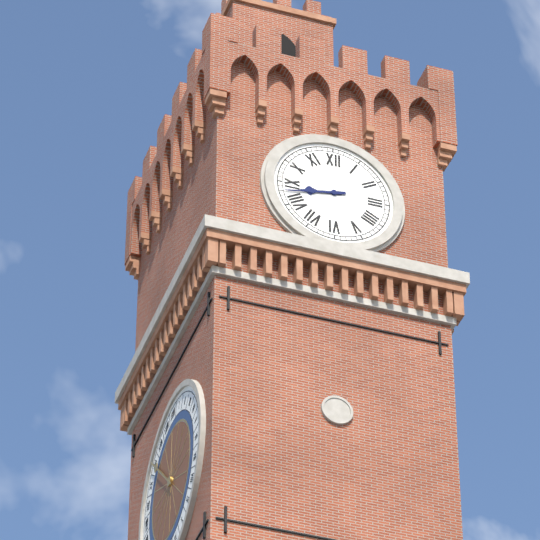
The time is 8h43
